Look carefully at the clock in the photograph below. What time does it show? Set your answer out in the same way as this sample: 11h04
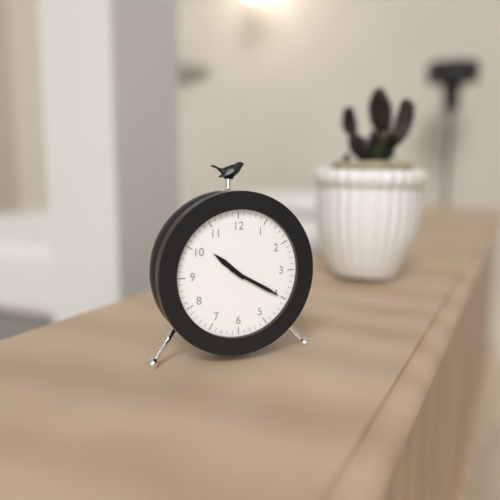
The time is 10h20
